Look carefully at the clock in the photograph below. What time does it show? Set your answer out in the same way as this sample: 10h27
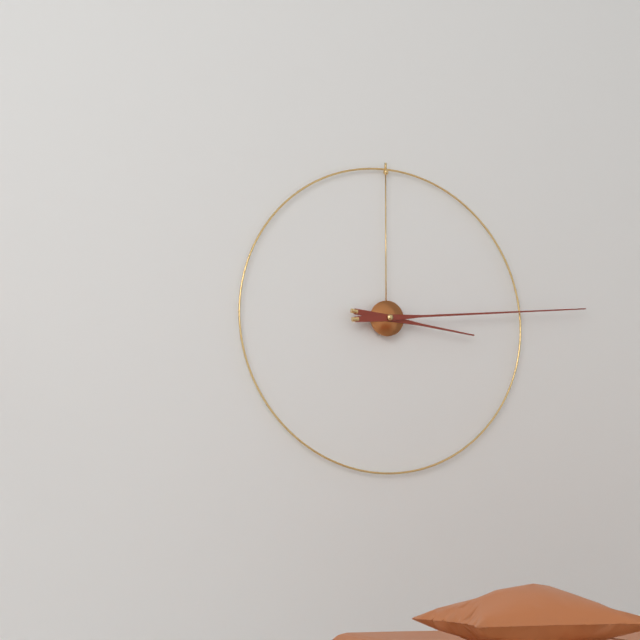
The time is 3h14
